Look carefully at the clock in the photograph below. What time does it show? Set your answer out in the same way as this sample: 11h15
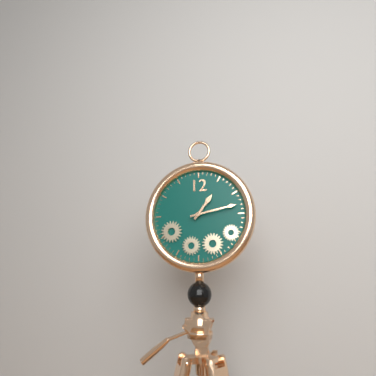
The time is 1h13
